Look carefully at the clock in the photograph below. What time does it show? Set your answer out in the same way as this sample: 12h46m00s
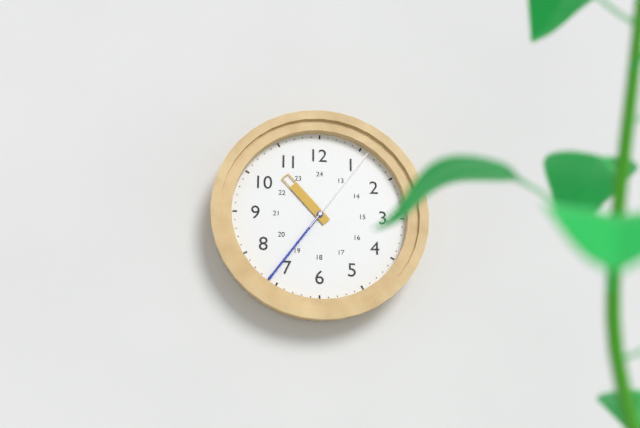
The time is 10h36m06s
